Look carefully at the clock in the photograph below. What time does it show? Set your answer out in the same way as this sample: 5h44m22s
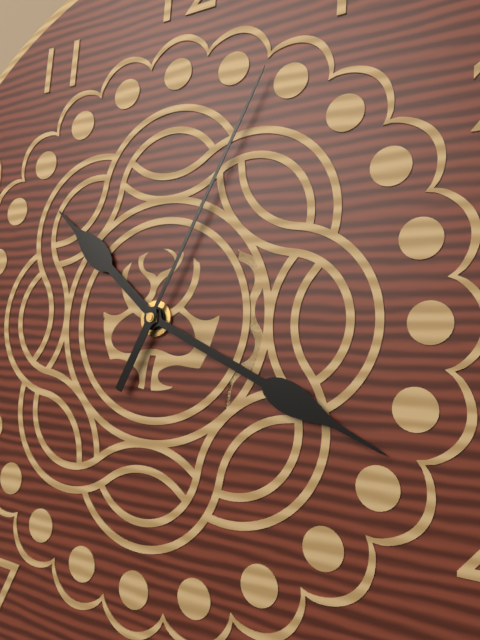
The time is 10h19m04s
